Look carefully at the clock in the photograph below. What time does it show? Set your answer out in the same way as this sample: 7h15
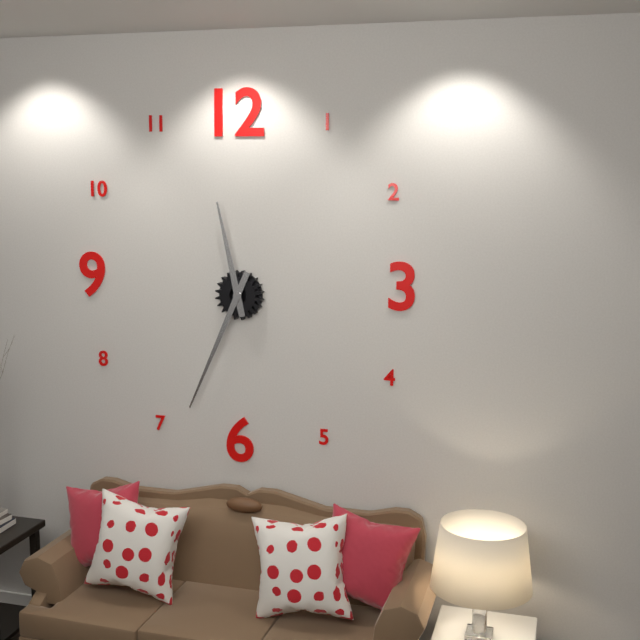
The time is 11h34
